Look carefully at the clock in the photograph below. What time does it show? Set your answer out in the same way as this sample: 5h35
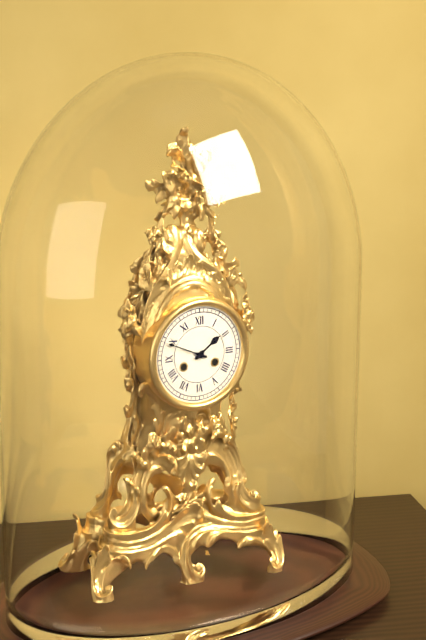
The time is 1h49
